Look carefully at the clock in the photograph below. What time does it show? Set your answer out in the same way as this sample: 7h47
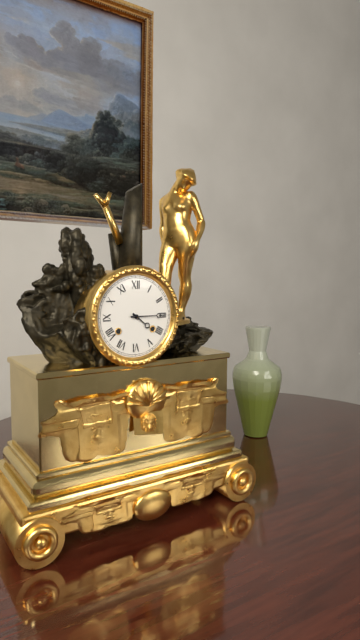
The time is 4h15
